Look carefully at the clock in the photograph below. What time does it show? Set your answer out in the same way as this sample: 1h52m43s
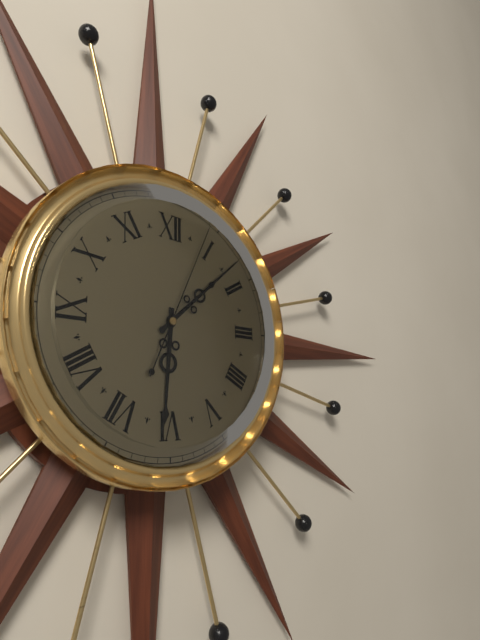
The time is 6h08m04s
